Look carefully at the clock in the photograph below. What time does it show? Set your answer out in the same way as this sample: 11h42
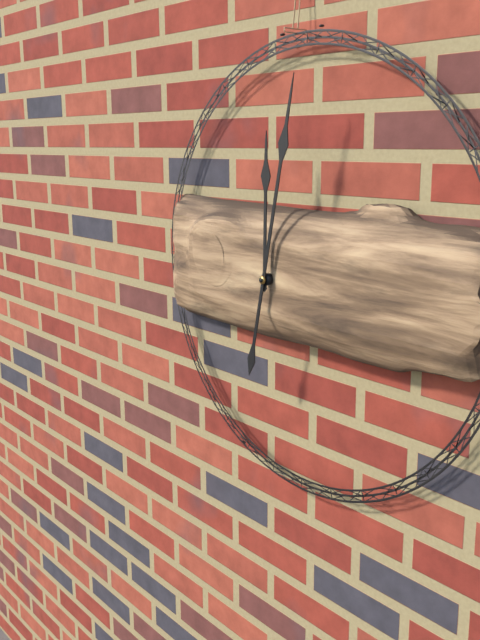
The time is 12h02
